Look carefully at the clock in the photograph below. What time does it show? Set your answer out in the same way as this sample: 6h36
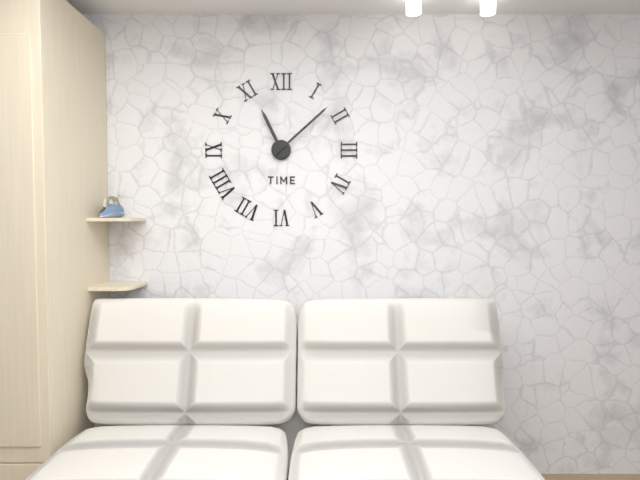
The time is 11h08
